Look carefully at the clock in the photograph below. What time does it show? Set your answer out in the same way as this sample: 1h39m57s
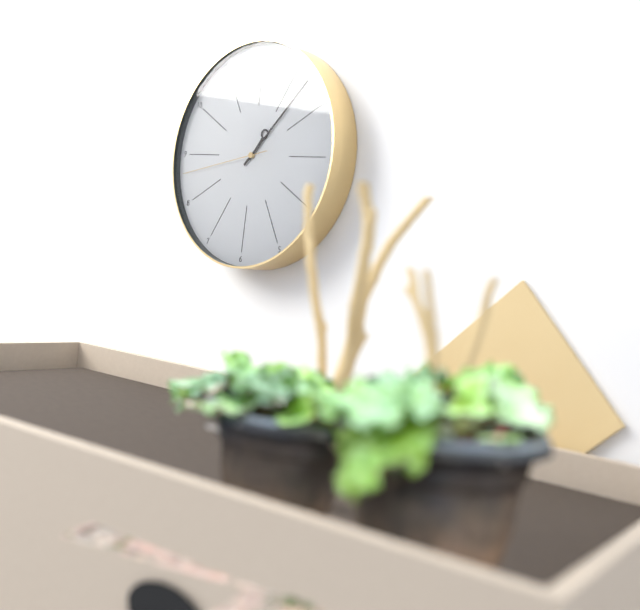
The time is 1h07m43s
